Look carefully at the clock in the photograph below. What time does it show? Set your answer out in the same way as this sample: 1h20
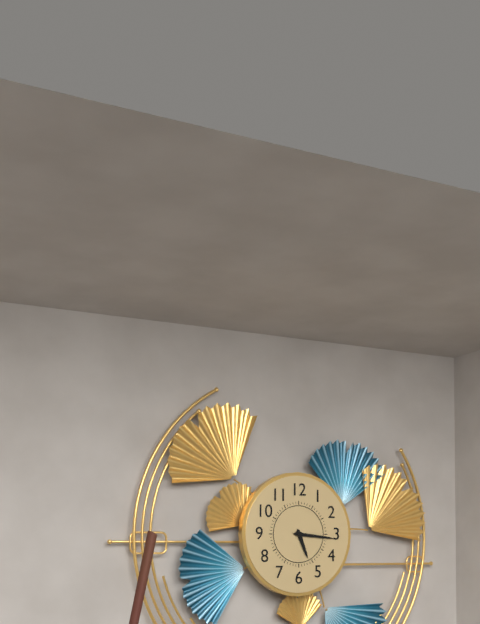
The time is 5h16
